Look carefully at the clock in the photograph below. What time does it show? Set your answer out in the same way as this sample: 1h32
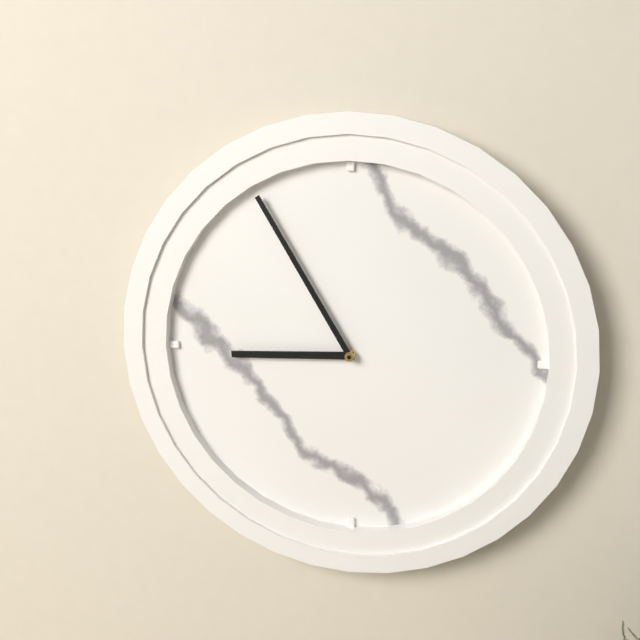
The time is 8h55
